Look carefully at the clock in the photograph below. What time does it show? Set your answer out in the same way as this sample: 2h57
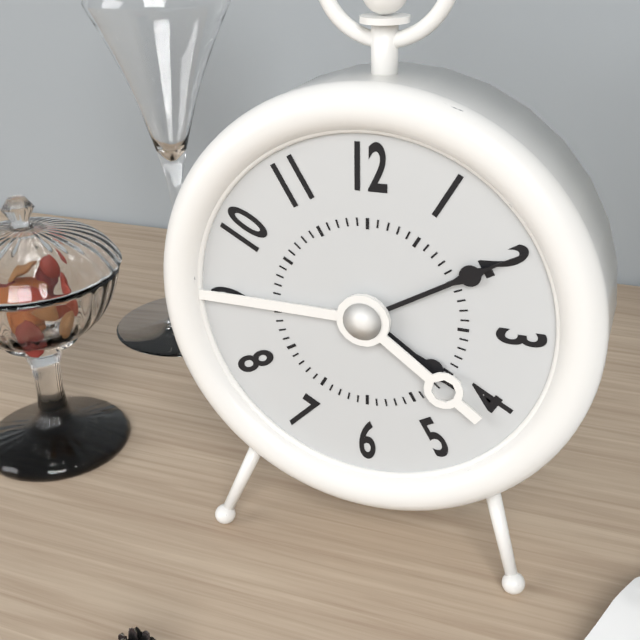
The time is 4h10
